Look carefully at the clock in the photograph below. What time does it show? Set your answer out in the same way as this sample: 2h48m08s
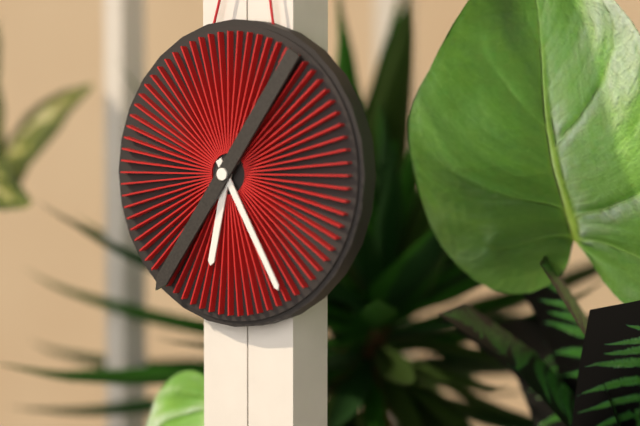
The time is 6h25m36s
